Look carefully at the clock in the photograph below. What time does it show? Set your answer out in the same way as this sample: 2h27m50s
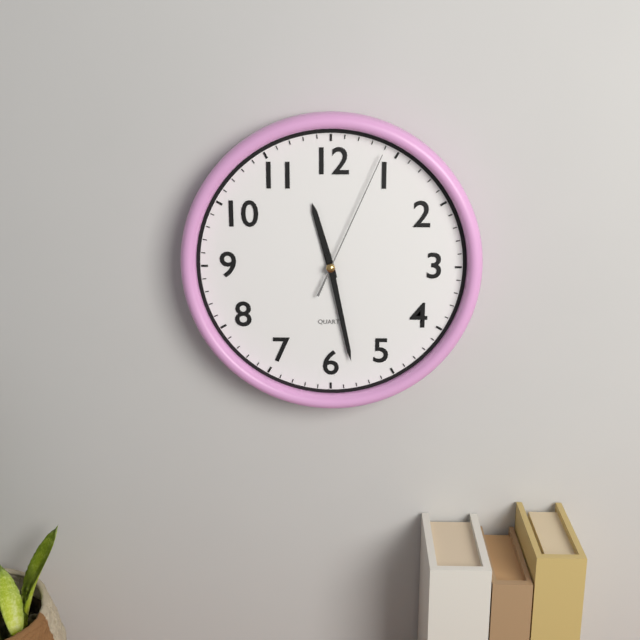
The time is 11h28m04s
